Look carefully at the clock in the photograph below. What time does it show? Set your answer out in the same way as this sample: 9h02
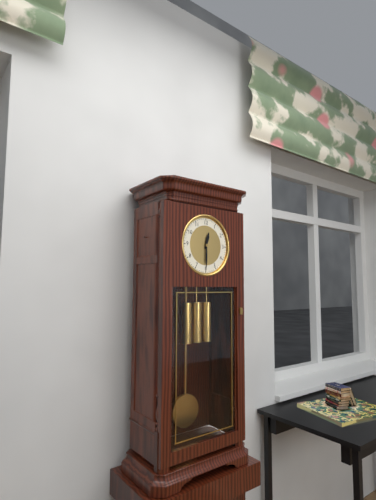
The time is 12h30
